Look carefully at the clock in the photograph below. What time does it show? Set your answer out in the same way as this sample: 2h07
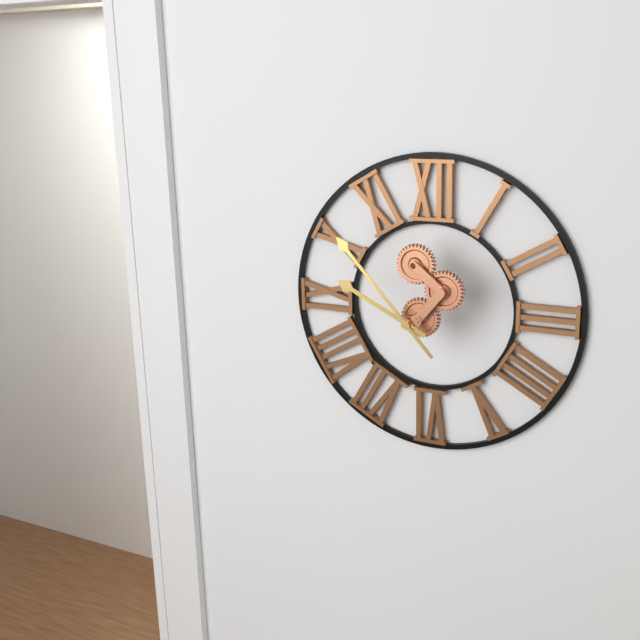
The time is 9h53
